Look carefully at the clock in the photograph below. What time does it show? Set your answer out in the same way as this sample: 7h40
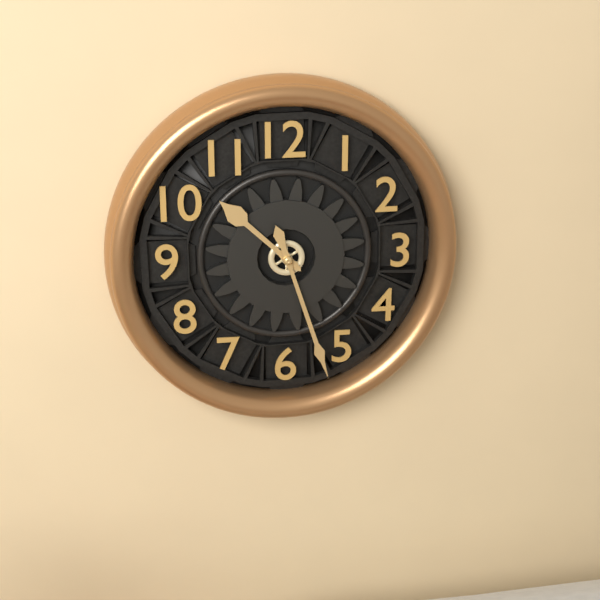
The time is 10h27
